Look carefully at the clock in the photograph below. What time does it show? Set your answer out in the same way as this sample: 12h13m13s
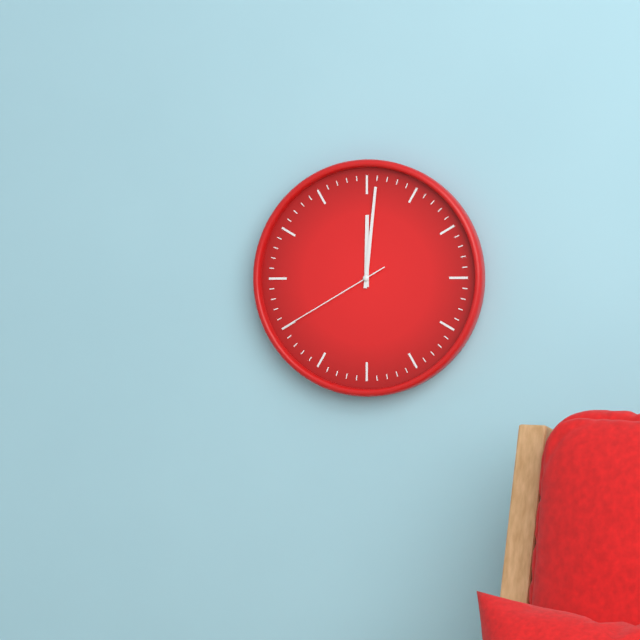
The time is 12h01m40s
